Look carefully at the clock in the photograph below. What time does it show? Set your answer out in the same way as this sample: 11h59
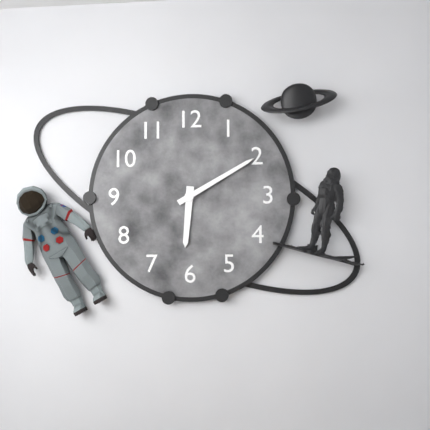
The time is 6h10
